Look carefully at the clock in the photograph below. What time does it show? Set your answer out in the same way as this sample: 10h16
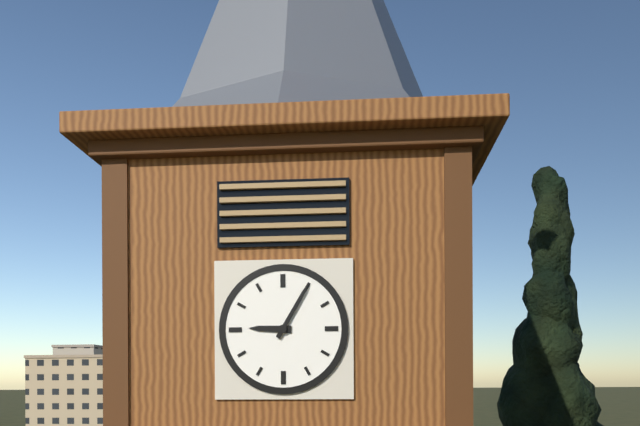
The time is 9h05
